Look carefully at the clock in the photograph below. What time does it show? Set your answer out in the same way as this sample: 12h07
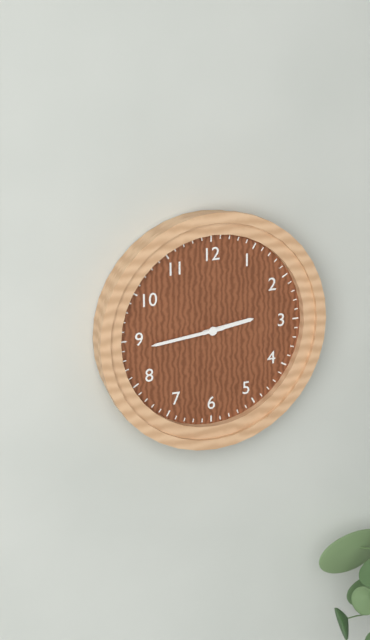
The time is 2h44
